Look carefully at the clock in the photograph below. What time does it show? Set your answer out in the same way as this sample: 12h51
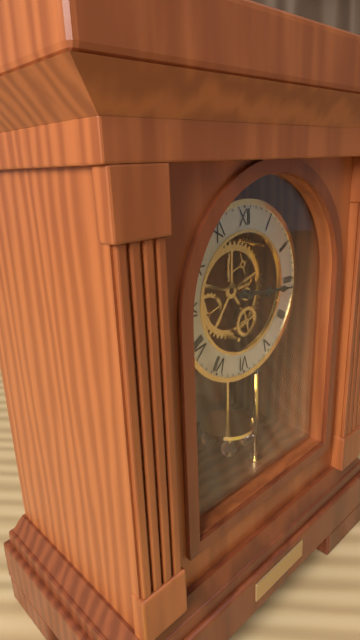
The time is 3h16
